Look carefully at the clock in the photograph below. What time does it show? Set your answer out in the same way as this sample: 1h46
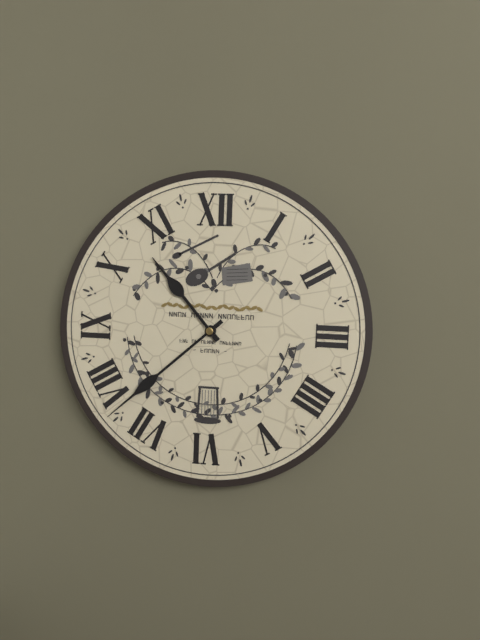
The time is 10h38
